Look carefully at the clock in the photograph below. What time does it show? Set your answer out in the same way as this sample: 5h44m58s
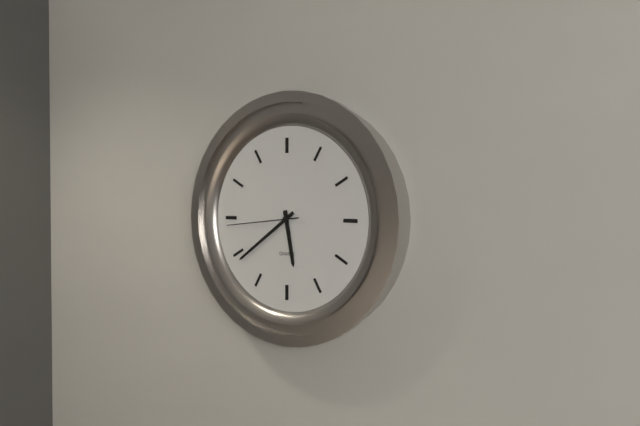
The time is 5h39m44s
